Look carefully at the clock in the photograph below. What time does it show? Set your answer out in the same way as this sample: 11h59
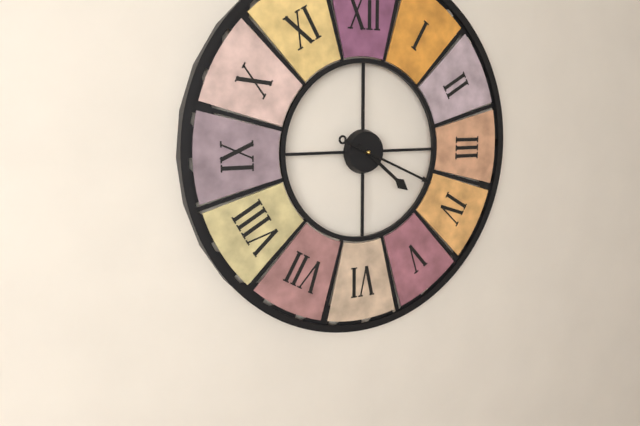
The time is 4h19
